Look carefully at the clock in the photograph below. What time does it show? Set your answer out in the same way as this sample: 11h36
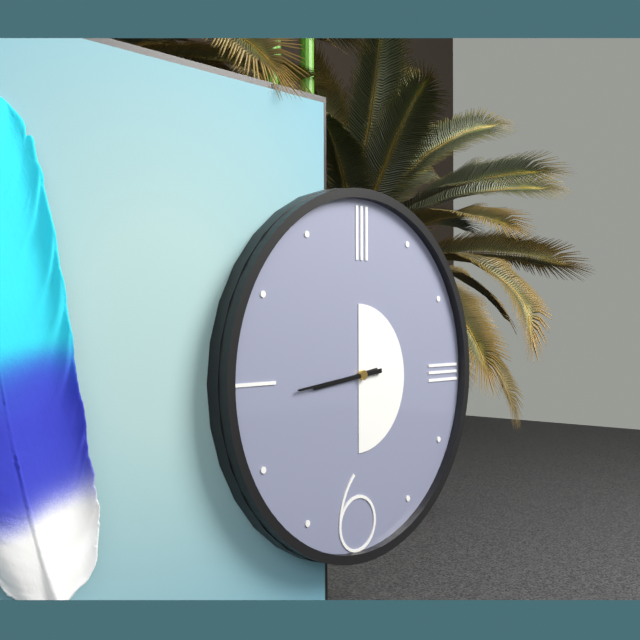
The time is 8h44
